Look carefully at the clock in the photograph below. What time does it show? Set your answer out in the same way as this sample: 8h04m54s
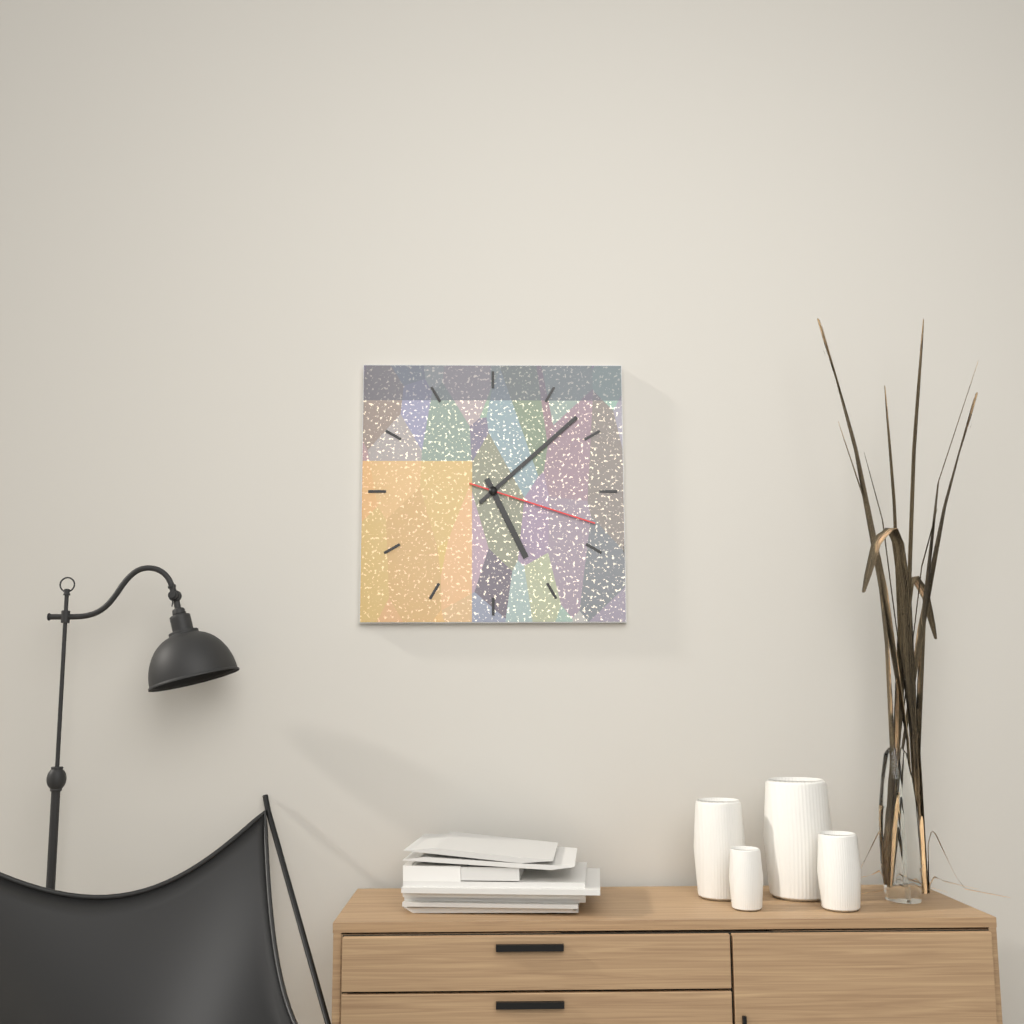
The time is 5h08m18s
